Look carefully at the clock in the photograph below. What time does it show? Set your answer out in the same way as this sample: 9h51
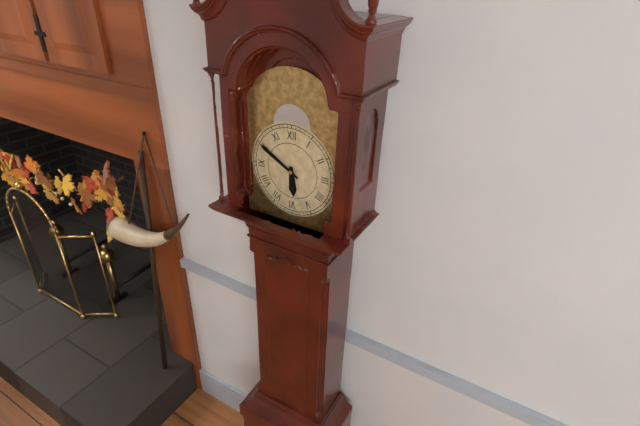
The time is 5h50
